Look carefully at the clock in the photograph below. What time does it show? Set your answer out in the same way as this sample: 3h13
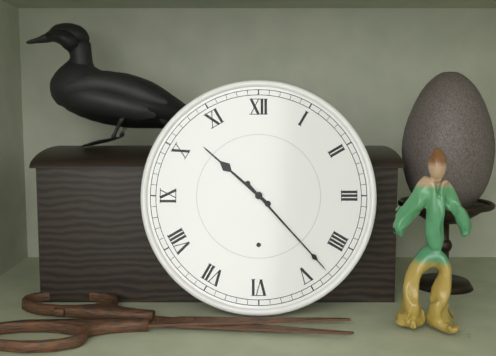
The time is 10h23
